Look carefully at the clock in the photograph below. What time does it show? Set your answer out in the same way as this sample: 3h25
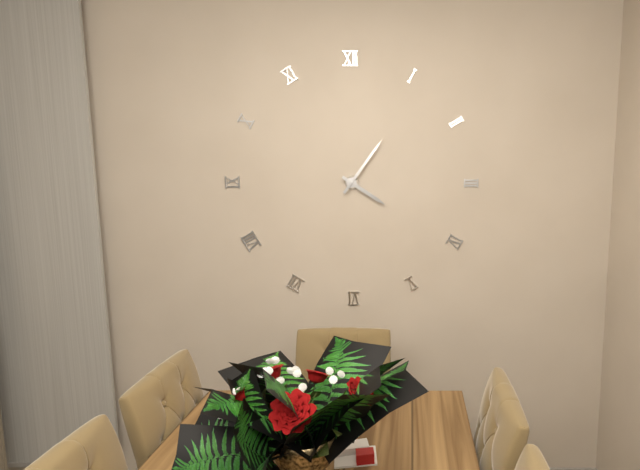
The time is 4h06
